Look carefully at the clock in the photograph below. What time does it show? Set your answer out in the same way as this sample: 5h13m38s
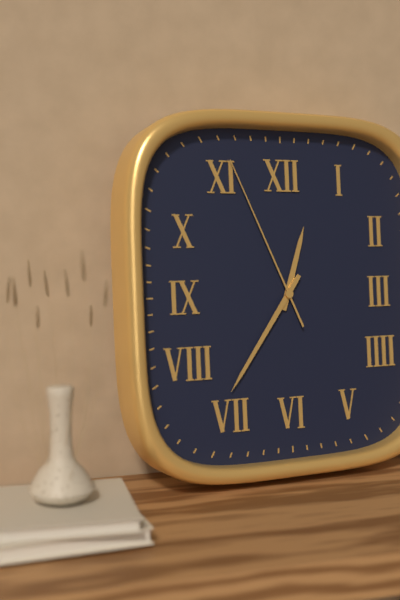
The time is 12h36m56s
